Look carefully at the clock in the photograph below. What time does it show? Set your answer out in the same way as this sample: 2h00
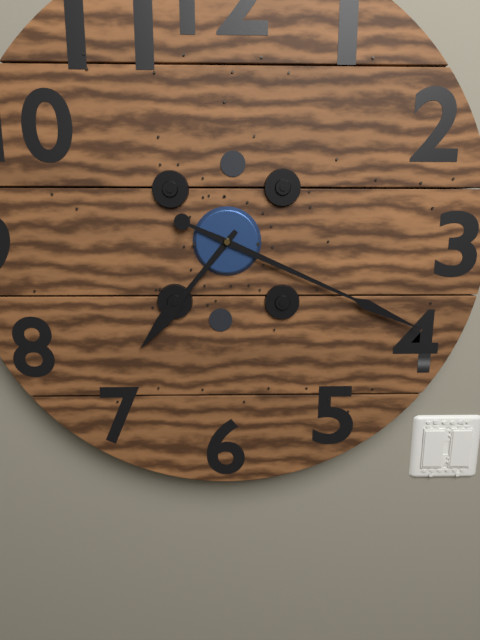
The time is 7h19
